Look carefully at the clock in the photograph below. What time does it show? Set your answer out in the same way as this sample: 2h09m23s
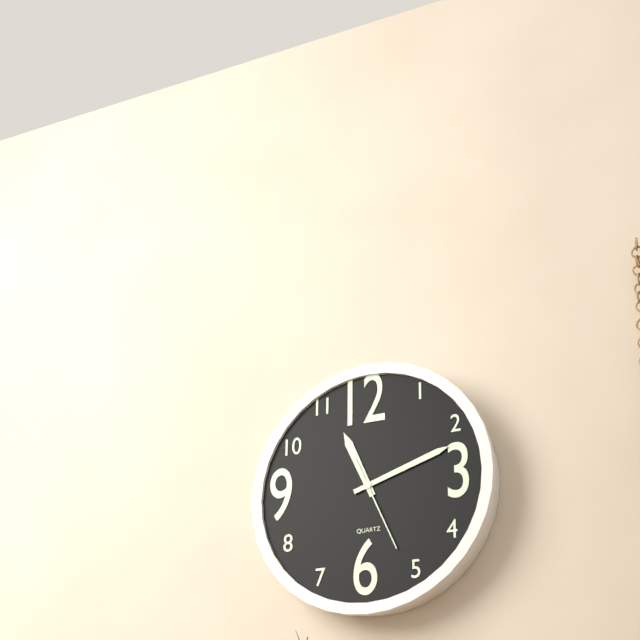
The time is 11h12m26s
